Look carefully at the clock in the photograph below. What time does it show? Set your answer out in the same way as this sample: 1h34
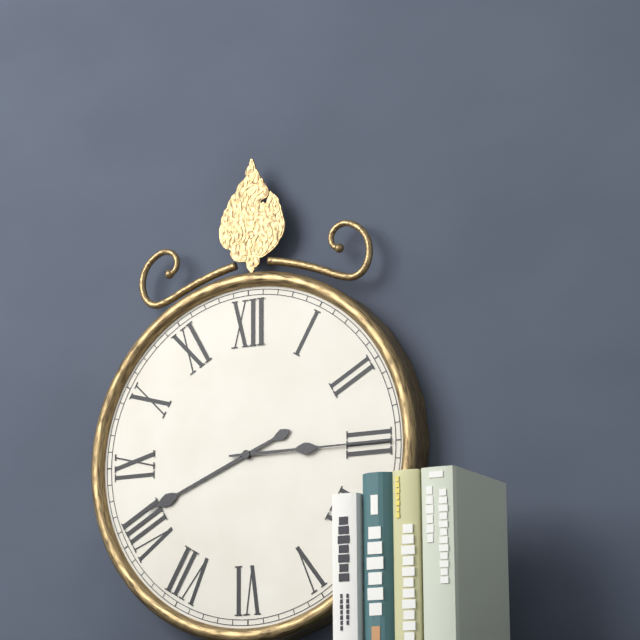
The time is 8h15
